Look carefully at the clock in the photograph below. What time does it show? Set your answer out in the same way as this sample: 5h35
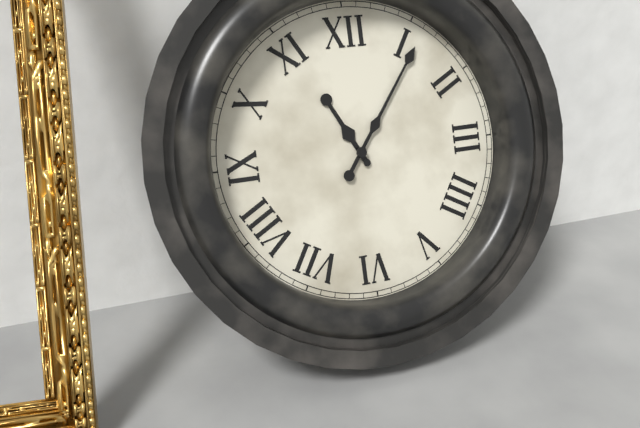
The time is 11h06
